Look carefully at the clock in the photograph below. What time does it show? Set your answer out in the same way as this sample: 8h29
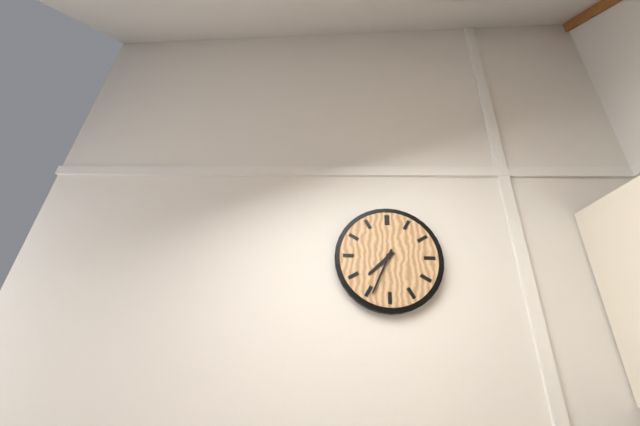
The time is 7h34
